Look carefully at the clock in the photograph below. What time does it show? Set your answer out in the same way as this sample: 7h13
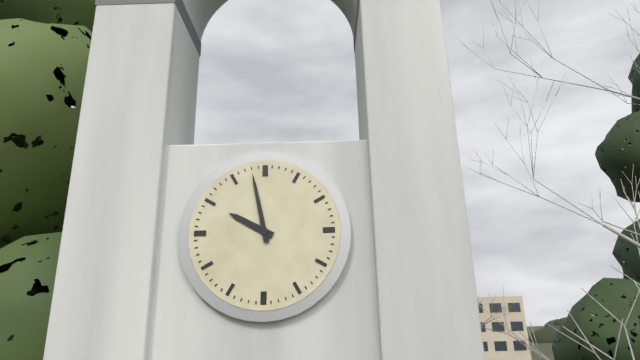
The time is 9h58
